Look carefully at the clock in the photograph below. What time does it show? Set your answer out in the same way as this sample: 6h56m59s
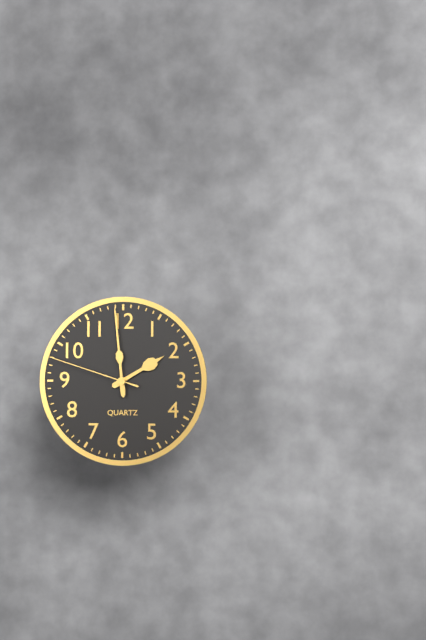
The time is 1h59m48s
